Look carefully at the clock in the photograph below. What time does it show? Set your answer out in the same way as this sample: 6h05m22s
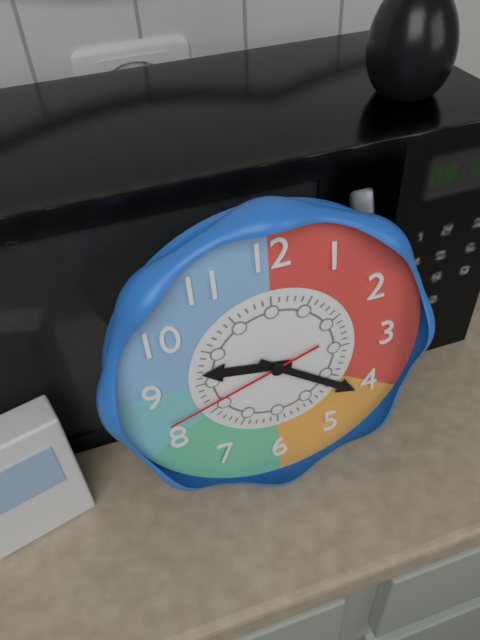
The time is 9h21m42s
